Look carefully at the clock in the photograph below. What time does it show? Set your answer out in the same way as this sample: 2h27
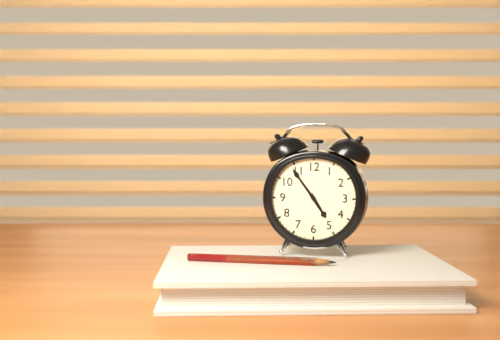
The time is 4h54
